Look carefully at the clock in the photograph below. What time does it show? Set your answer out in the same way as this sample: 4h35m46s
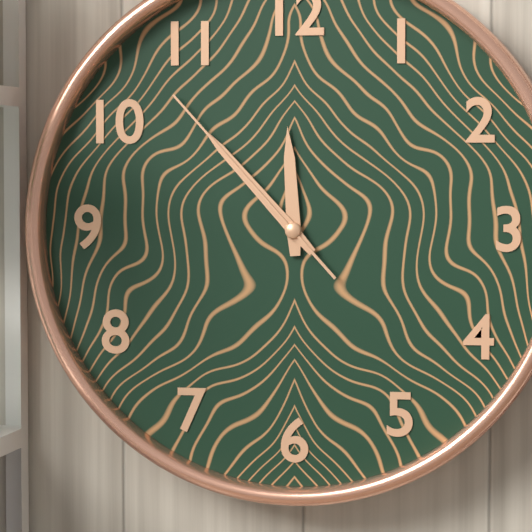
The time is 11h53m53s
